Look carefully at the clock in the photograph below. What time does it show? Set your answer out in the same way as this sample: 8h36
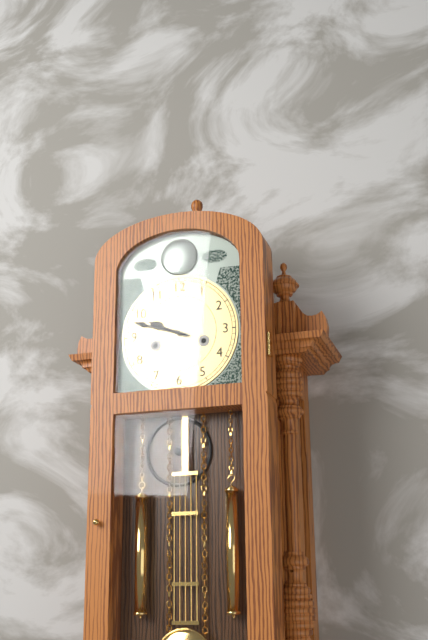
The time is 9h48
